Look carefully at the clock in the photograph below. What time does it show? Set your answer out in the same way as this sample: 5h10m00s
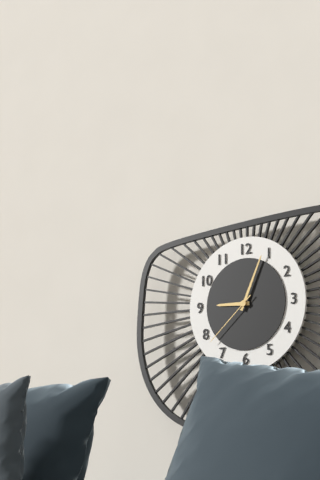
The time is 9h04m38s
